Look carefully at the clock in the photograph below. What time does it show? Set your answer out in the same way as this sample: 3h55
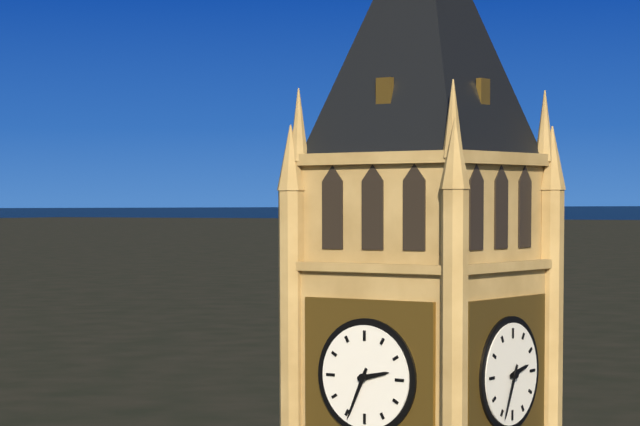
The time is 2h34
